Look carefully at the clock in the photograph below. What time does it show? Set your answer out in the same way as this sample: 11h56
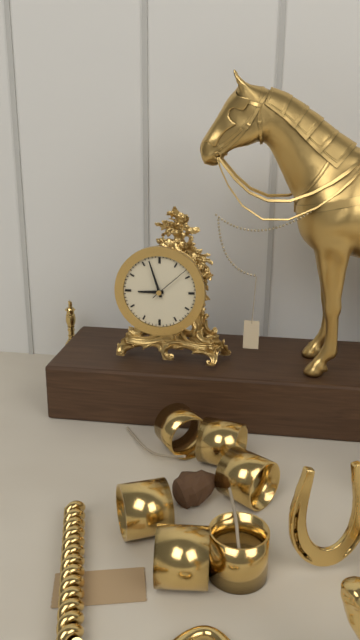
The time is 8h57
